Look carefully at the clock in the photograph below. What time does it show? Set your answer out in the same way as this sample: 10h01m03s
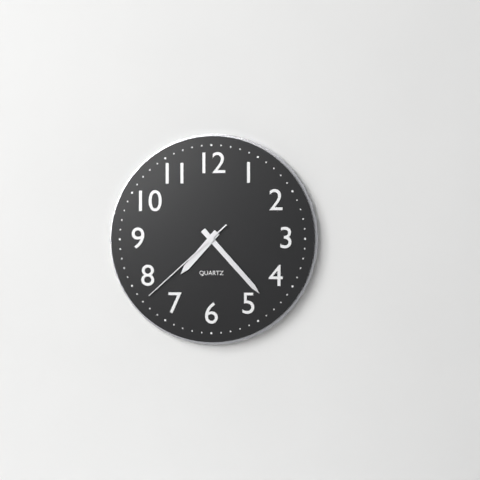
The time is 7h23m38s
